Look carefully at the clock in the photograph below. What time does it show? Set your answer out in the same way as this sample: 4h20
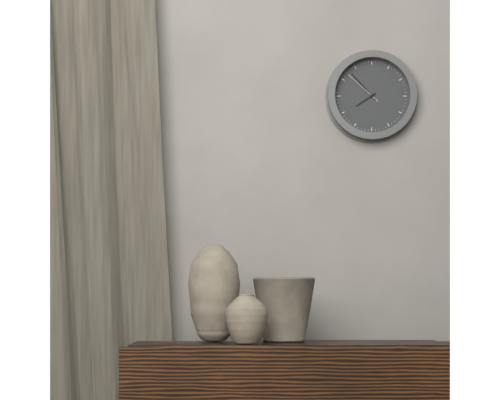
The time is 7h53
